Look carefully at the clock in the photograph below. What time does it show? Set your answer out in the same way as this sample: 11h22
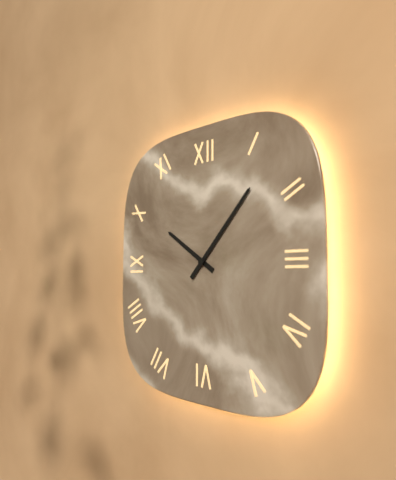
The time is 10h07
